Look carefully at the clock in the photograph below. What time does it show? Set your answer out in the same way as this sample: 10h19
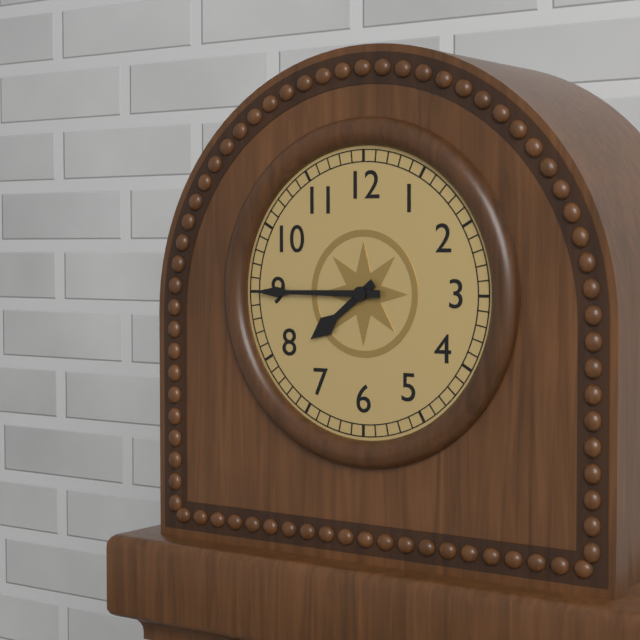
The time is 7h45
